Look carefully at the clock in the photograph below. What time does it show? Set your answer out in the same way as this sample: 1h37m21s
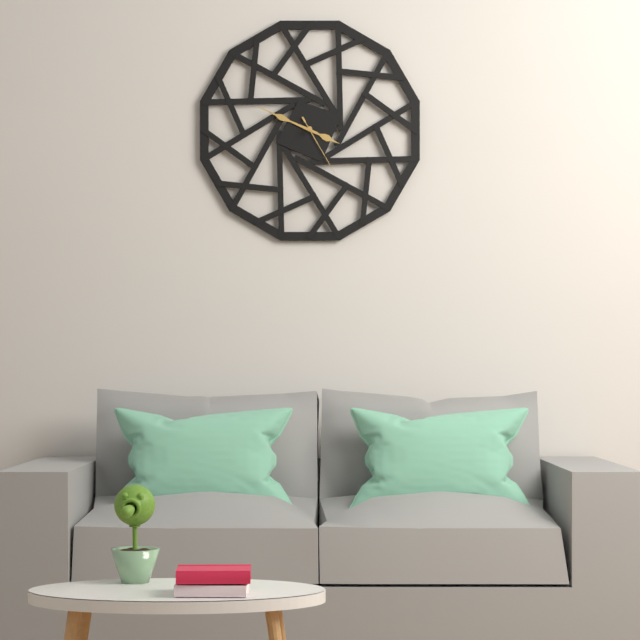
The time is 3h49m25s
